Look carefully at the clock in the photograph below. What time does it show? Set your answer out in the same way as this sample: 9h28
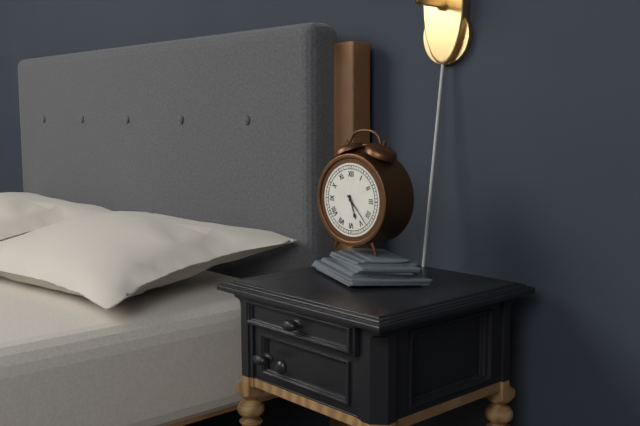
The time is 5h23
